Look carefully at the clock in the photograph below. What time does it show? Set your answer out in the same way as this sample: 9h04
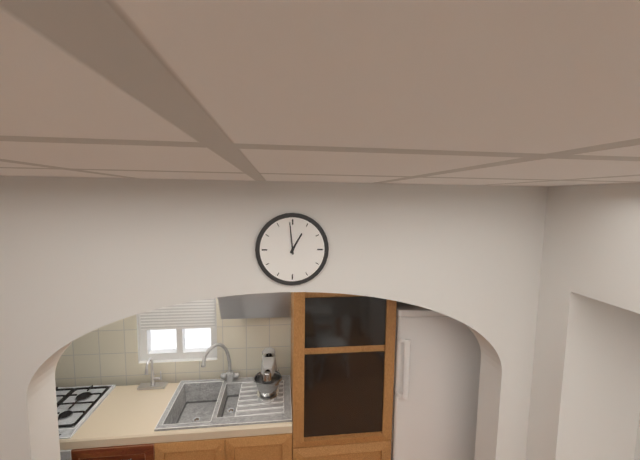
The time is 12h59
